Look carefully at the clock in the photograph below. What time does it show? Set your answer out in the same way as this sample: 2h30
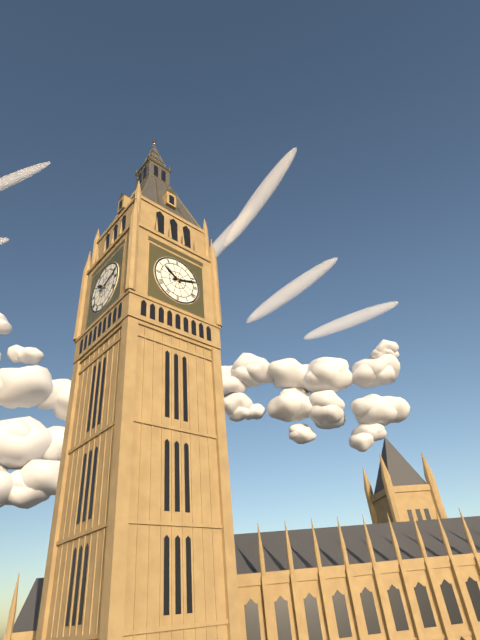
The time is 10h12
